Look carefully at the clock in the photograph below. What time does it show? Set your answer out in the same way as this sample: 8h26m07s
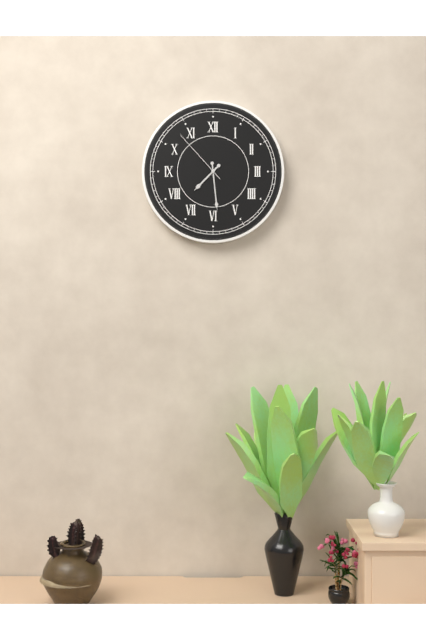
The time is 7h29m53s
